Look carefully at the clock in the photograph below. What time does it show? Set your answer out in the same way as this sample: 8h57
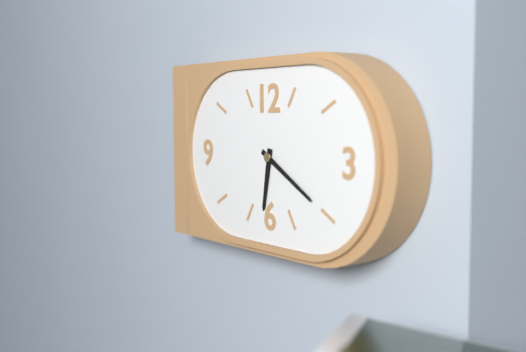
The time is 6h20
